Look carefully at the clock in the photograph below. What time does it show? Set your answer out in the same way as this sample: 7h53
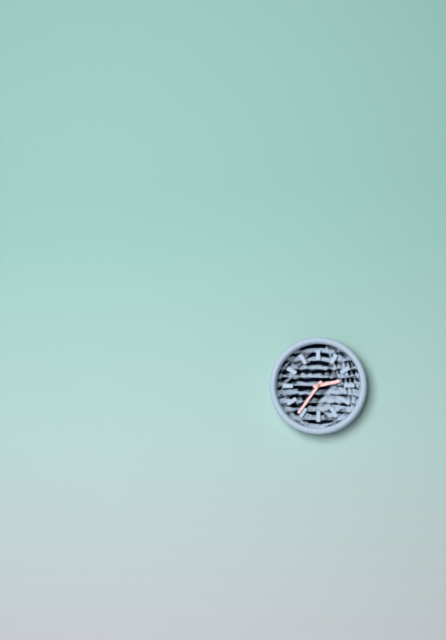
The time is 2h36
